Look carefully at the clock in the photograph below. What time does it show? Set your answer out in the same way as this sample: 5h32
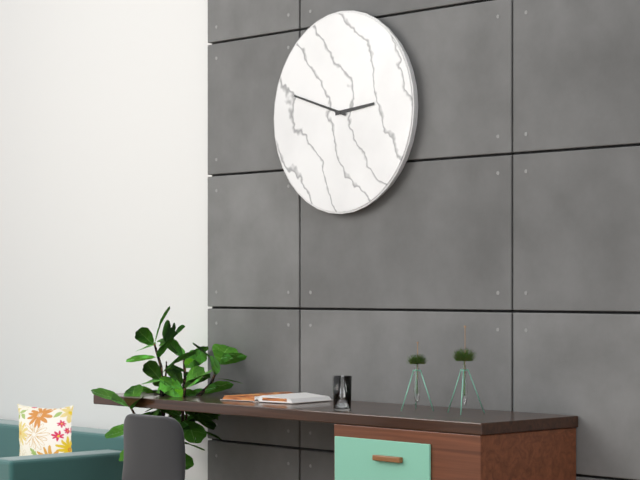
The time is 2h48
